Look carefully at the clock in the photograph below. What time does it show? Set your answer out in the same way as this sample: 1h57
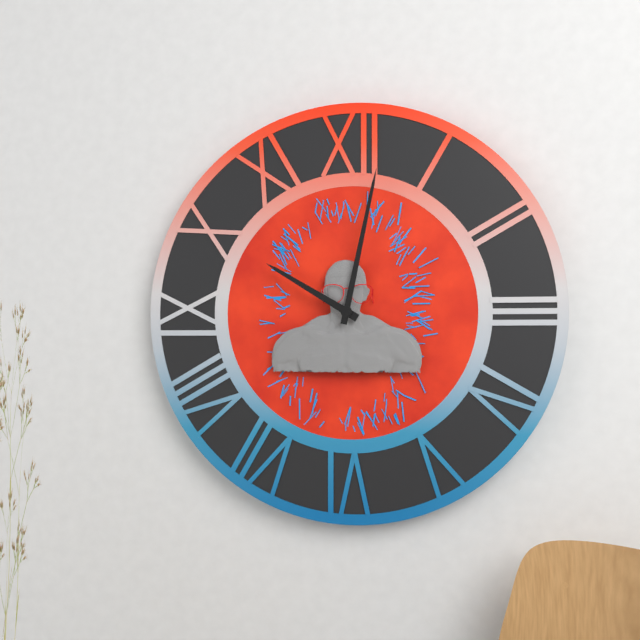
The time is 10h02
